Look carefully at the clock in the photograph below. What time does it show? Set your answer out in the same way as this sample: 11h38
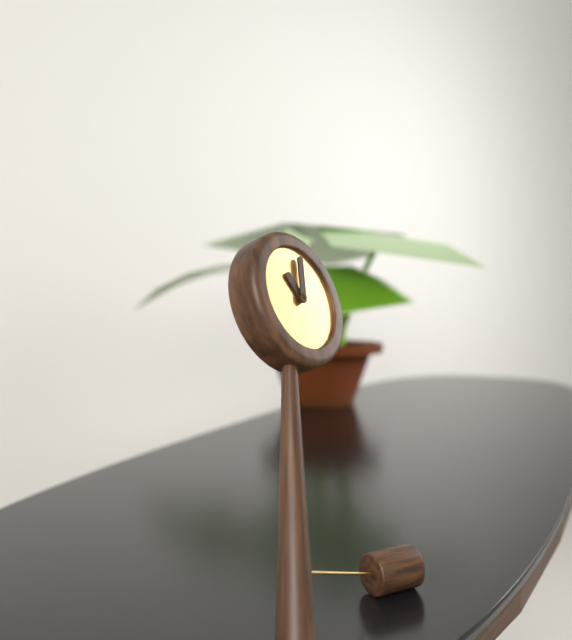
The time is 11h03
